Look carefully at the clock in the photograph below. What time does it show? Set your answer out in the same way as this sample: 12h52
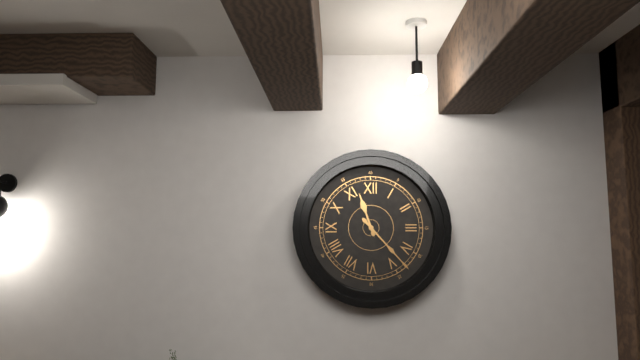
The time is 11h23
